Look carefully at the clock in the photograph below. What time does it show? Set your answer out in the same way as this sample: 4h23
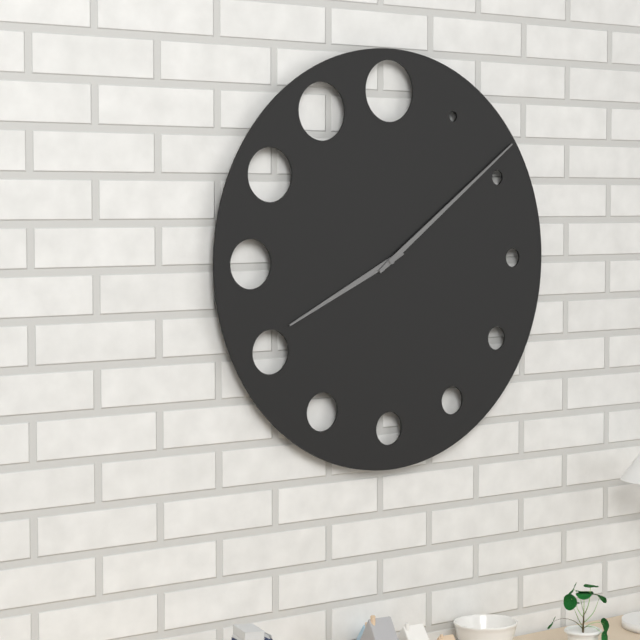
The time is 8h09
